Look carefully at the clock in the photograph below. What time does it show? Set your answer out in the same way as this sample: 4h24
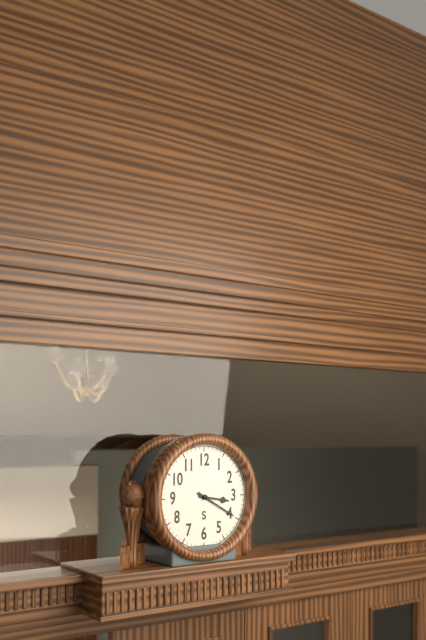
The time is 3h20
